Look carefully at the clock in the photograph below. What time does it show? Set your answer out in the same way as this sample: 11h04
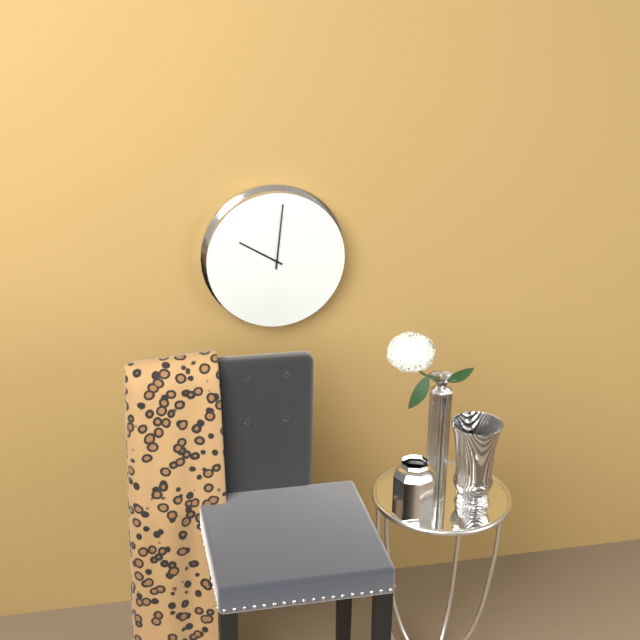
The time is 10h01
